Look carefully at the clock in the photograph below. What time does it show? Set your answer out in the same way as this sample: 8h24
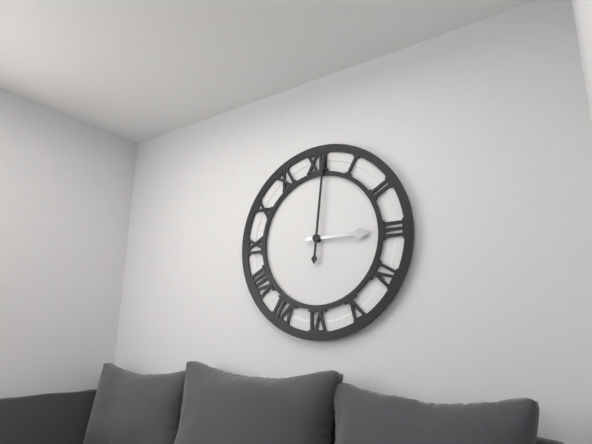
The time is 3h01
